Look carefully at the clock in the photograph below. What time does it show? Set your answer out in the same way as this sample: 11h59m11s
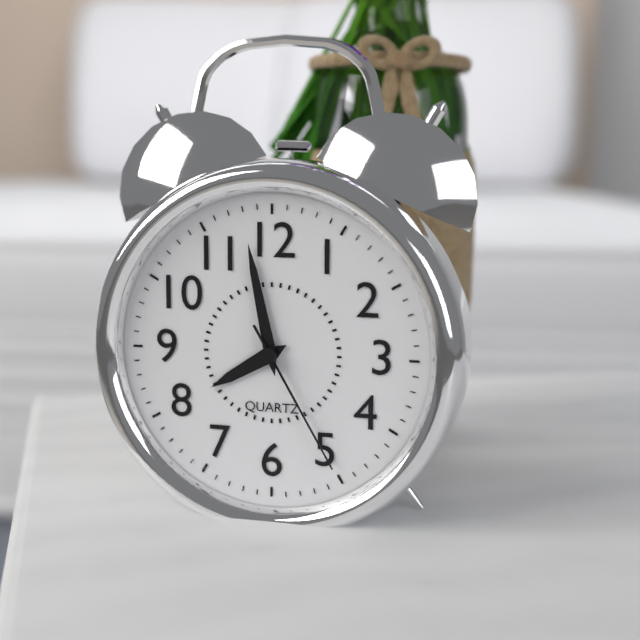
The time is 7h58m25s
